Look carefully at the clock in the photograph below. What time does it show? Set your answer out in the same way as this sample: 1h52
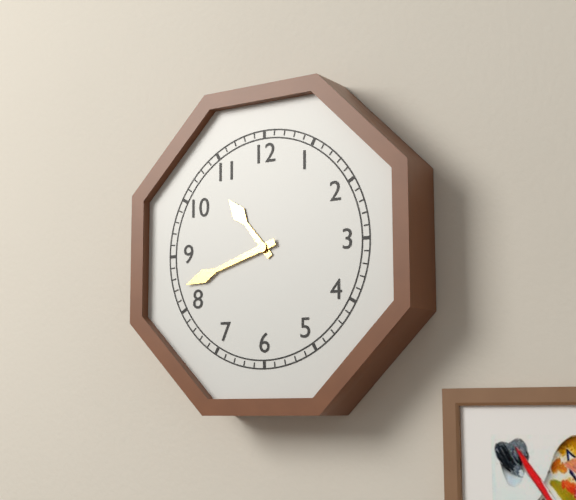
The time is 10h42
